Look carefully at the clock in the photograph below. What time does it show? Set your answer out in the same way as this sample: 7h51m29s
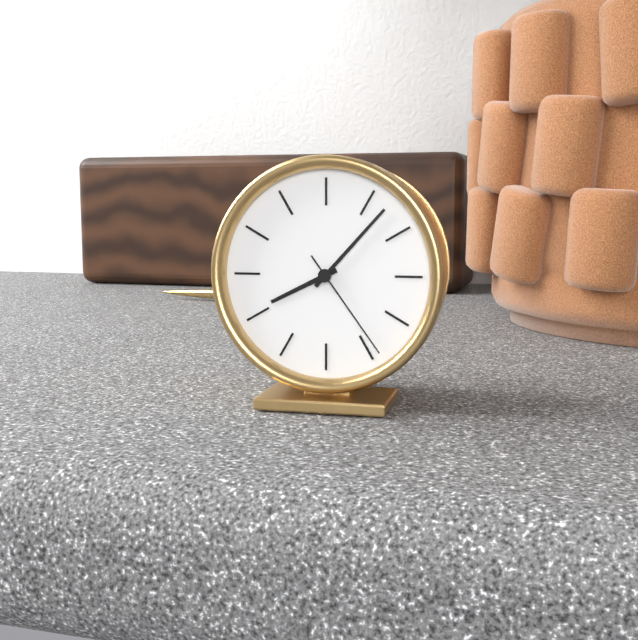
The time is 8h07m24s
